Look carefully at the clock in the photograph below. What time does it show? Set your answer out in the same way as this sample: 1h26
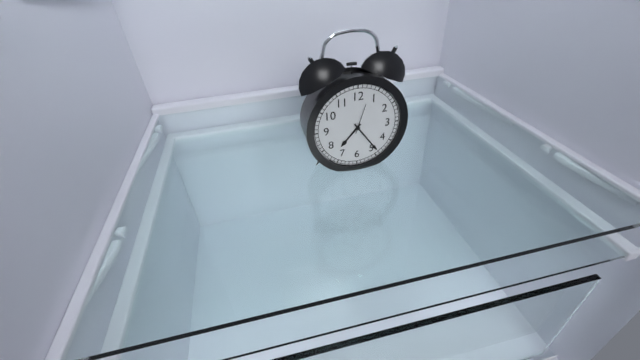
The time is 7h24
